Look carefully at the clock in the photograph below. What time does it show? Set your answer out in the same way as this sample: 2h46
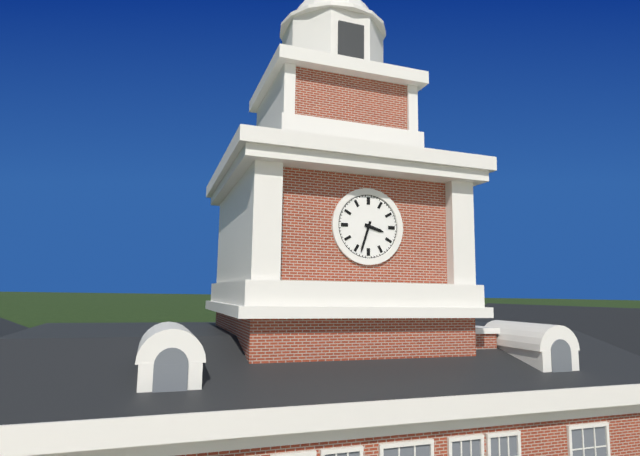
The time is 3h33
